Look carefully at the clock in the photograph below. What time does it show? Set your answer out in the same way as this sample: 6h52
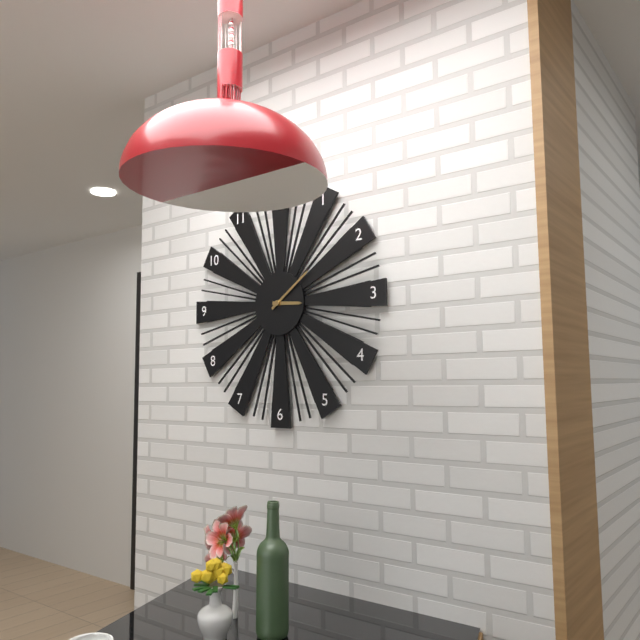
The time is 3h09
